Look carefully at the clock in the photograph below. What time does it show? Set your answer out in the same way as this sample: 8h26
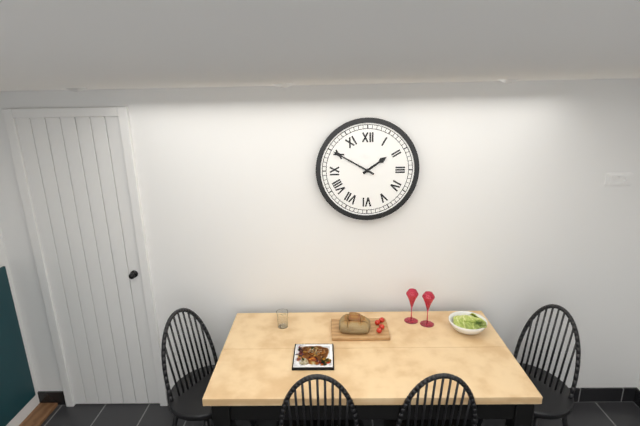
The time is 1h50
